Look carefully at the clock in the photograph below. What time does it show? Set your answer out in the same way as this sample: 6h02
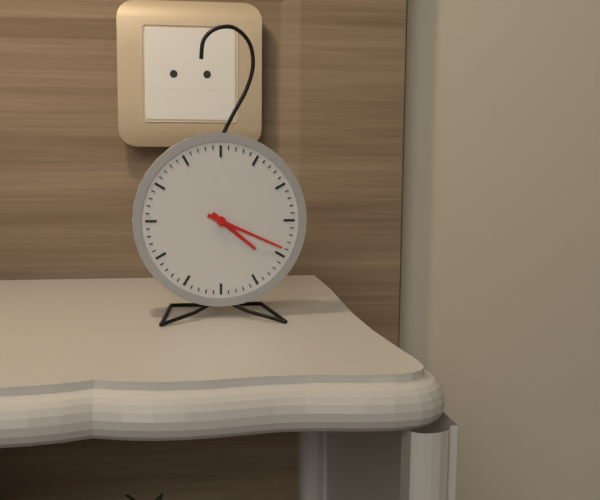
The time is 4h19
